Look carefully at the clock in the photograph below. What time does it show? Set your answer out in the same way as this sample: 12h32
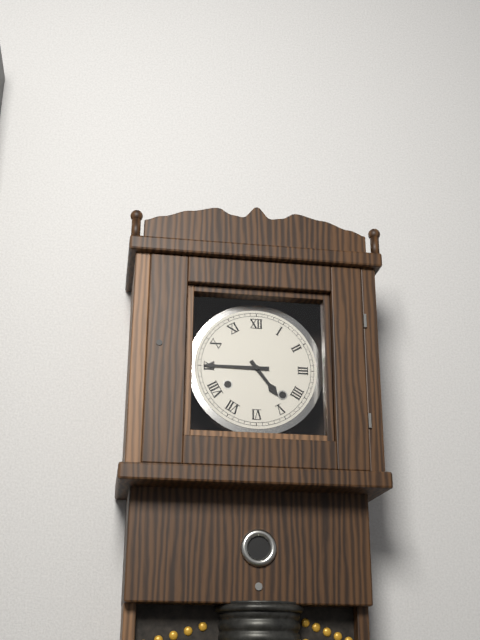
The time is 4h45
